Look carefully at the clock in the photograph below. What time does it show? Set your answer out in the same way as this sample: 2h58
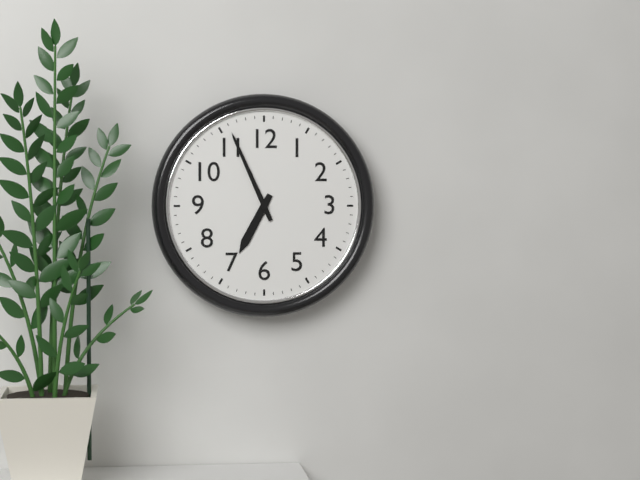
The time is 6h56
